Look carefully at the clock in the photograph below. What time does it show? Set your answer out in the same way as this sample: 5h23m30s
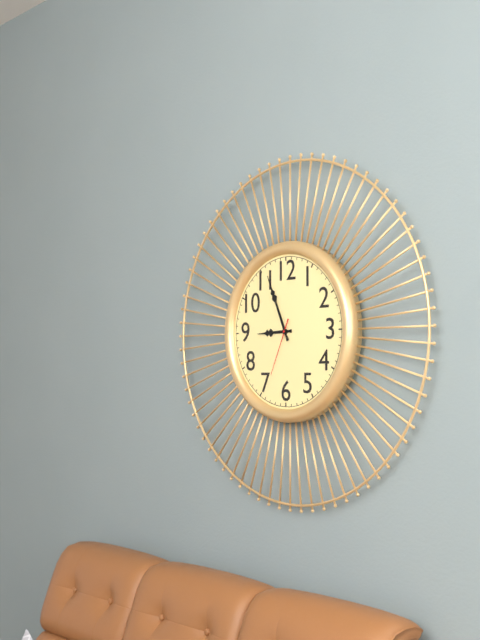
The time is 8h56m34s
